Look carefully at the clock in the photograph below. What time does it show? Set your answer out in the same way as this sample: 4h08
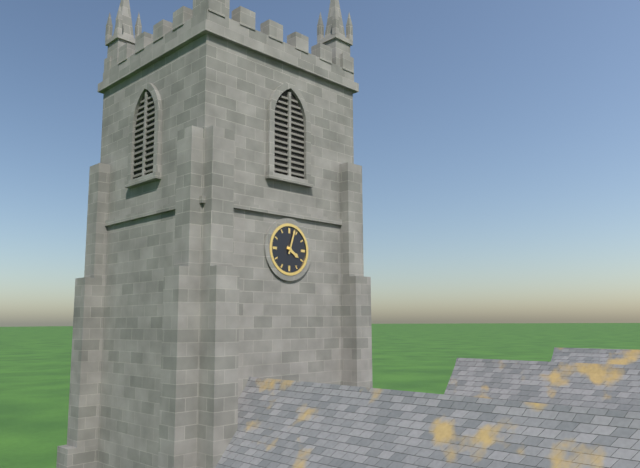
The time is 4h03
